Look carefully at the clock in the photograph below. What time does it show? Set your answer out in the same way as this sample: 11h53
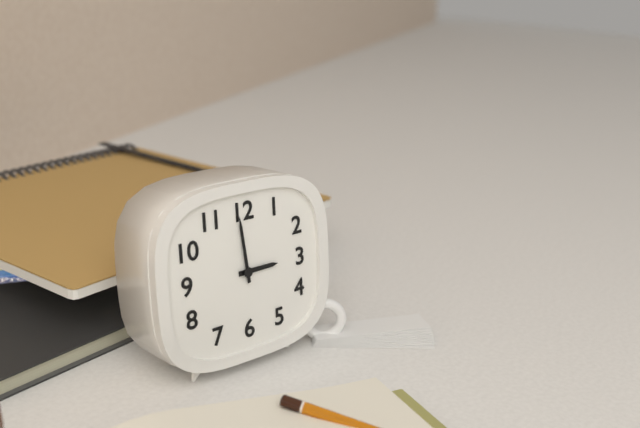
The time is 2h59
